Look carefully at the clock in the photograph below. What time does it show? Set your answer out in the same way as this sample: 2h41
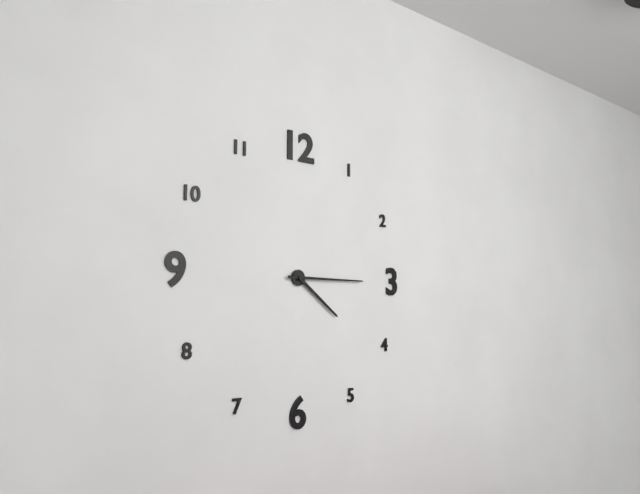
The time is 4h15
